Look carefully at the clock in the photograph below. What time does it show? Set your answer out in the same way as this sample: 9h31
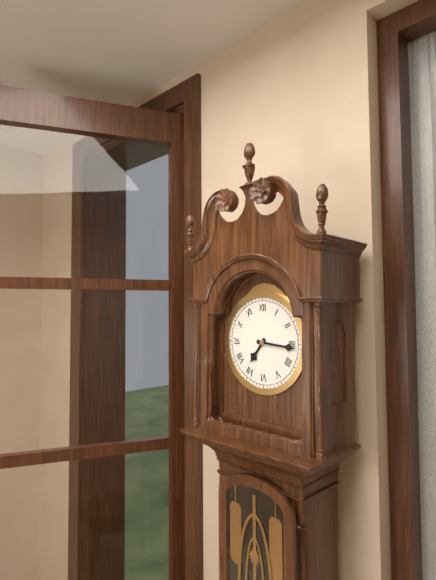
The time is 7h16
